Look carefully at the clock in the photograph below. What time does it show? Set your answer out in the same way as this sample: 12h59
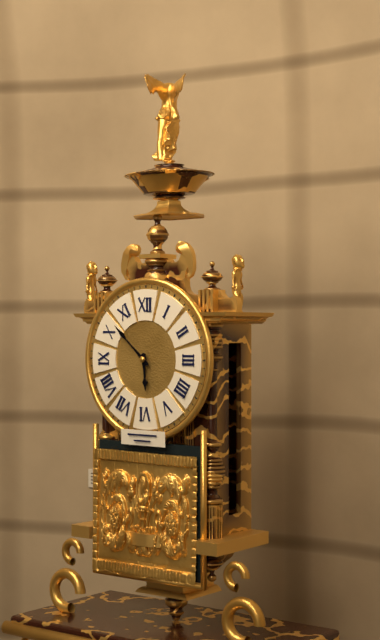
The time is 5h52
